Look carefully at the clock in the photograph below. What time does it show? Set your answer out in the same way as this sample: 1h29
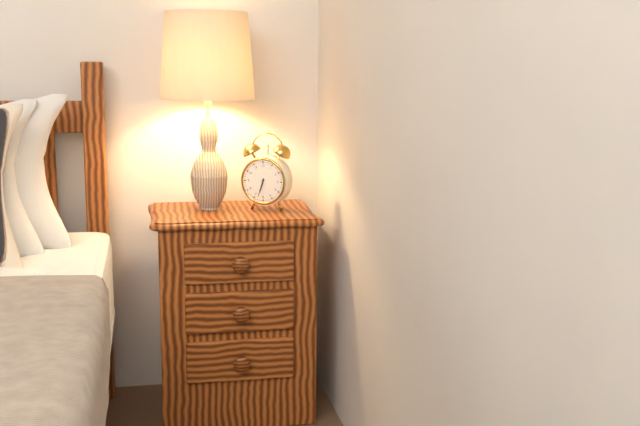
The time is 6h33
